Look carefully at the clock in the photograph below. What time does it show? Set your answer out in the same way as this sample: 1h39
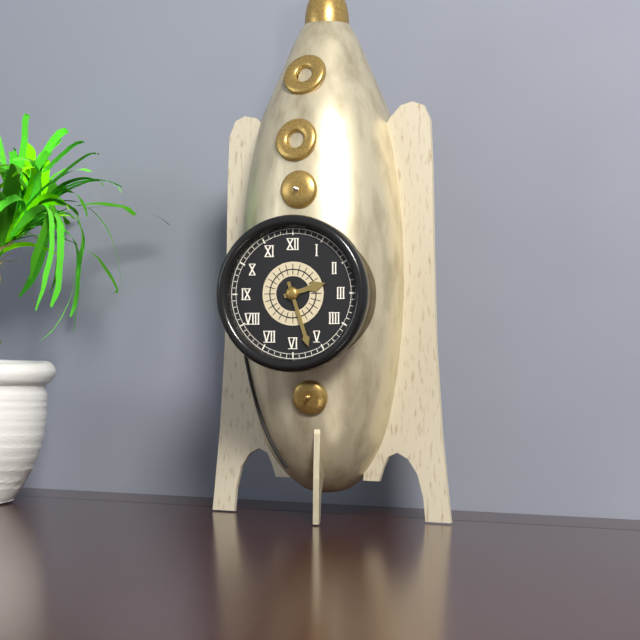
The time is 2h27
